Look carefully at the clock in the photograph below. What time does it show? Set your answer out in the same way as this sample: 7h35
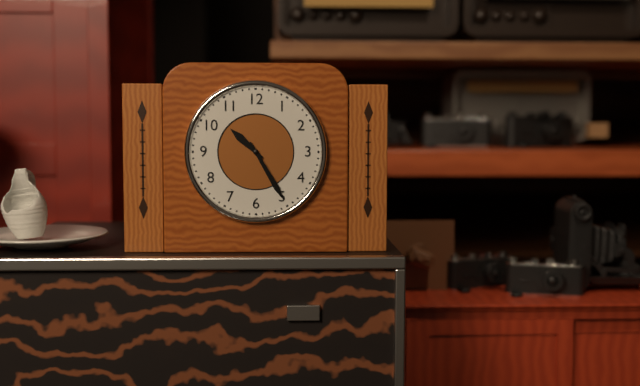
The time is 10h25
